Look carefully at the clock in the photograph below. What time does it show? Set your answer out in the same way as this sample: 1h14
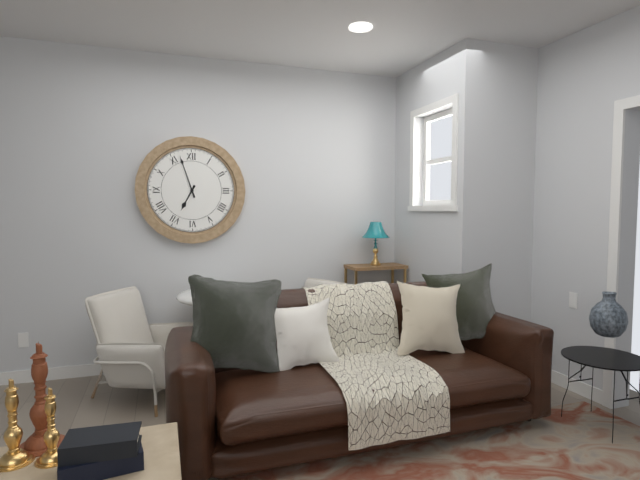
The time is 6h57
